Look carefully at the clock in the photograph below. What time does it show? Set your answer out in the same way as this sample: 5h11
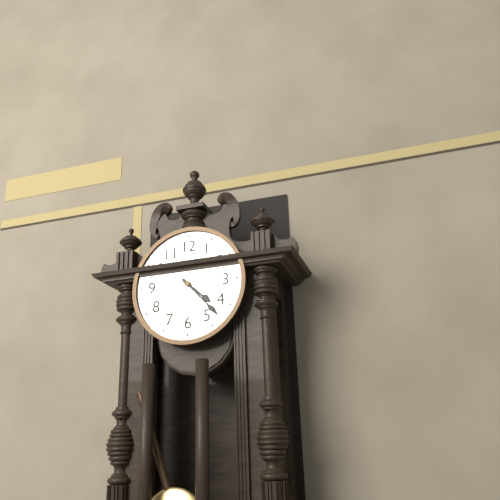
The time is 4h23
